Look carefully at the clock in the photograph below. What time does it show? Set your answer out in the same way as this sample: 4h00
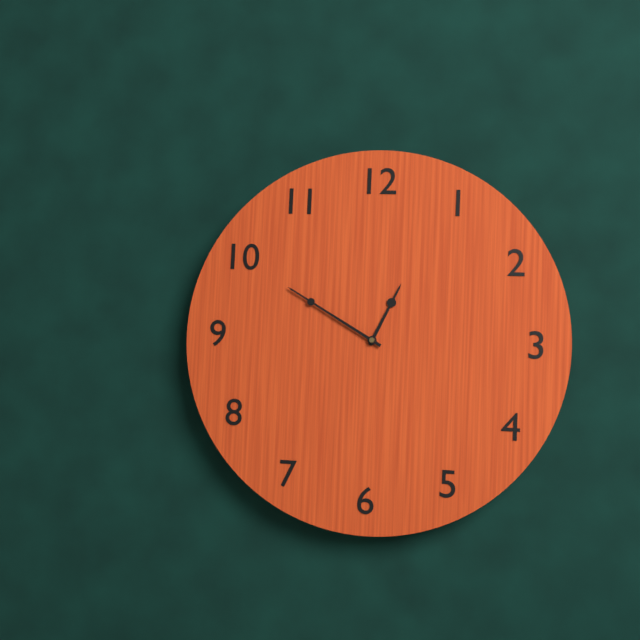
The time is 12h50
